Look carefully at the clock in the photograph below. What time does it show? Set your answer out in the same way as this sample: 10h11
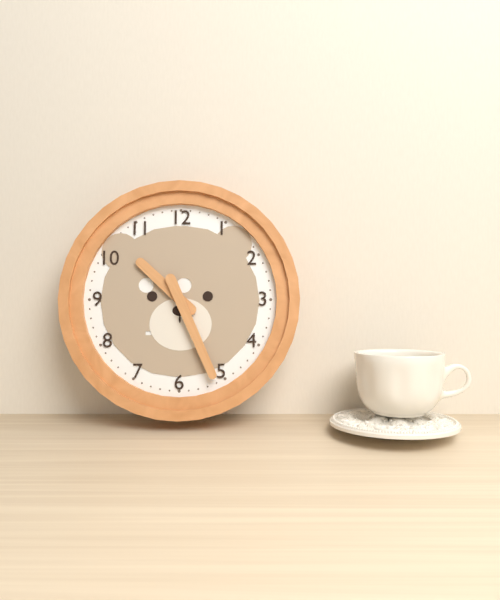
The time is 10h26
